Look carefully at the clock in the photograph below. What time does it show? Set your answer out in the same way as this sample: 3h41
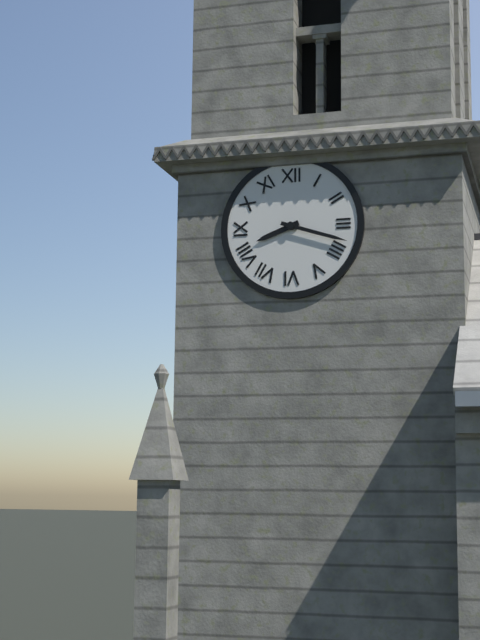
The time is 8h18
